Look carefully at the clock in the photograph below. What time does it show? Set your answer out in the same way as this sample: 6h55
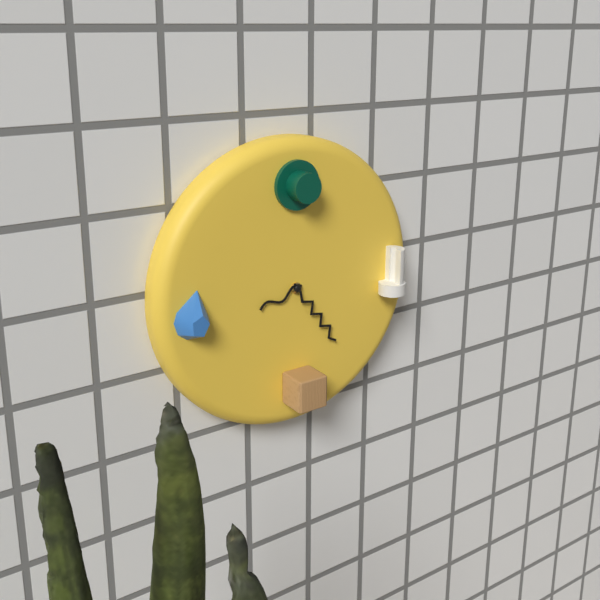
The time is 8h24
